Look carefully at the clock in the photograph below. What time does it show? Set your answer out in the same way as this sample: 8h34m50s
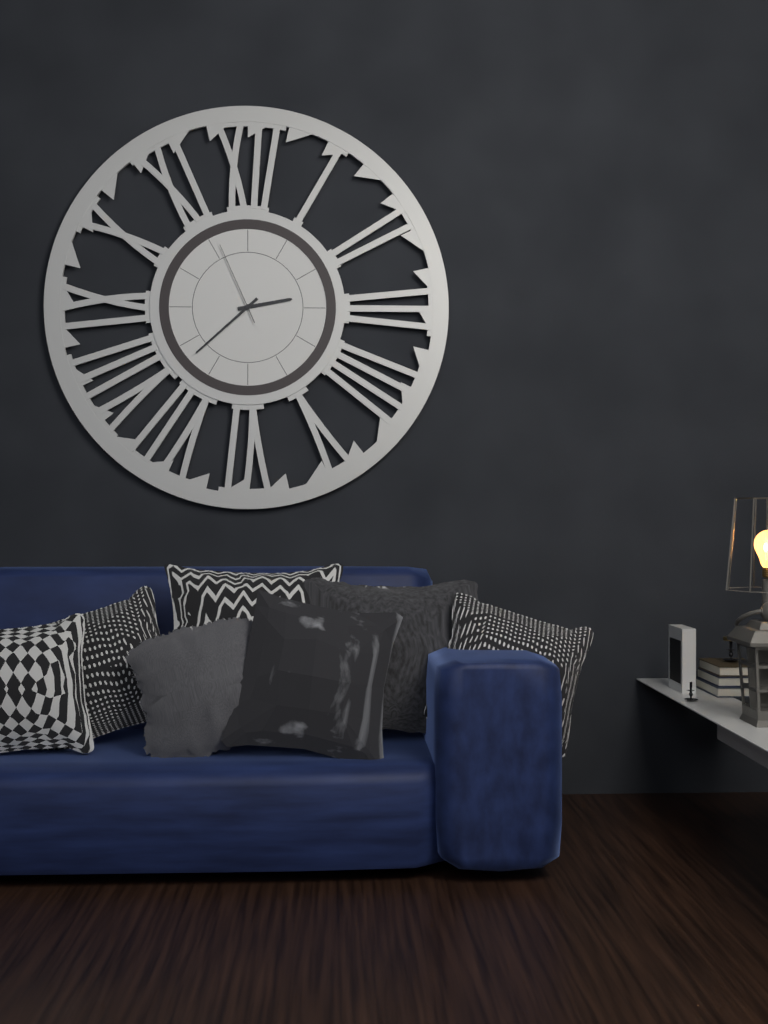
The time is 2h38m56s
